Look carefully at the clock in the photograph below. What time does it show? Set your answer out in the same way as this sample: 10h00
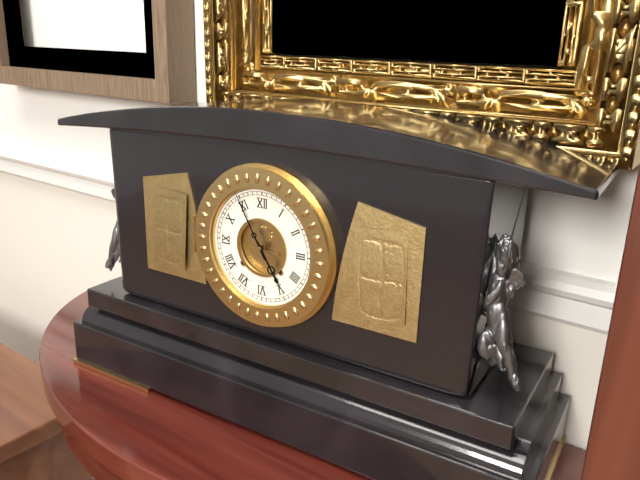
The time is 4h55
